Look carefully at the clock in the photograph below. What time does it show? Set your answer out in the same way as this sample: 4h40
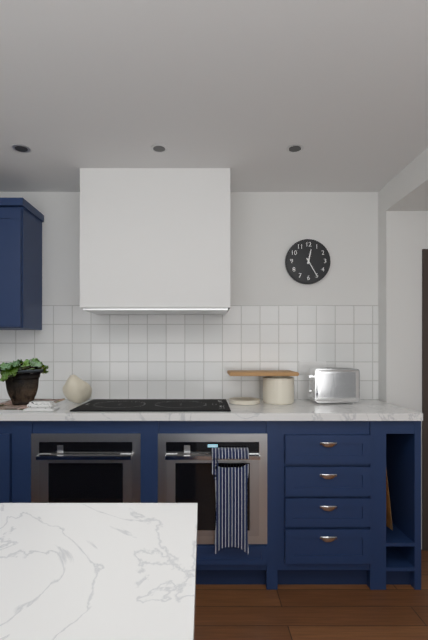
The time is 12h25
